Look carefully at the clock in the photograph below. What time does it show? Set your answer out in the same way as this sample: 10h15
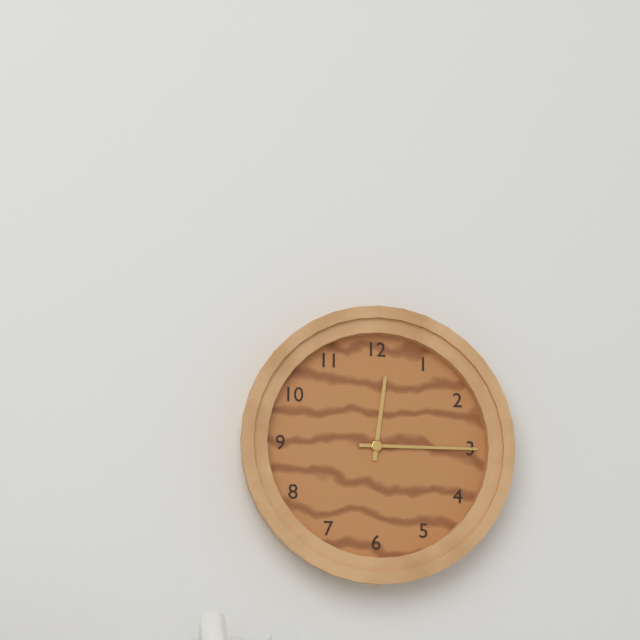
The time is 12h15
